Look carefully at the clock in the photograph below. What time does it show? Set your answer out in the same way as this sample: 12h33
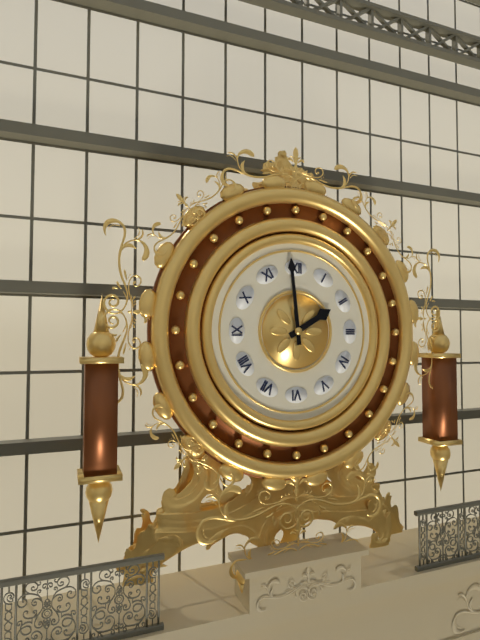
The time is 1h59
